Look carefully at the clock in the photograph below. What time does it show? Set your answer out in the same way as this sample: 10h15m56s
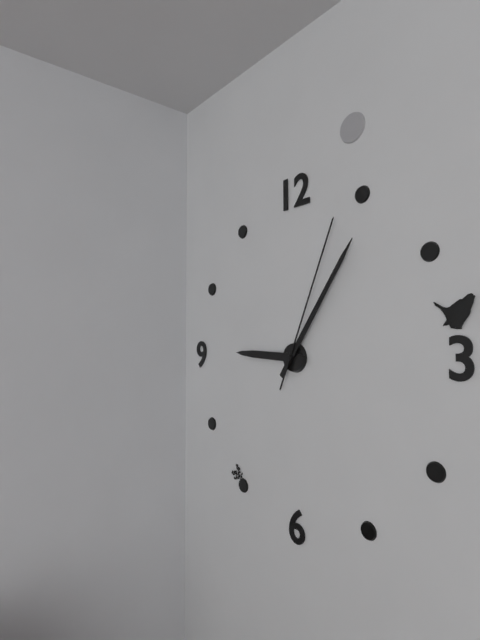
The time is 9h06m04s
